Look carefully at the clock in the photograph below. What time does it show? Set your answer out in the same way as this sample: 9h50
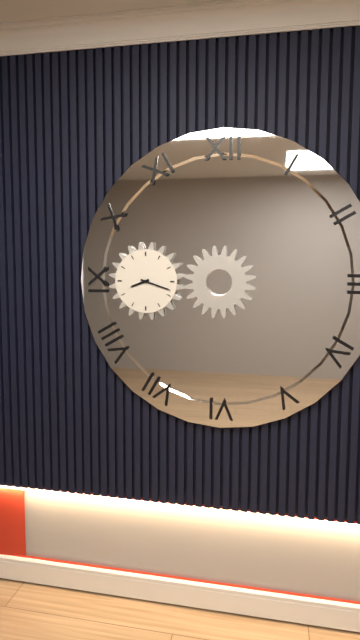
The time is 8h18
